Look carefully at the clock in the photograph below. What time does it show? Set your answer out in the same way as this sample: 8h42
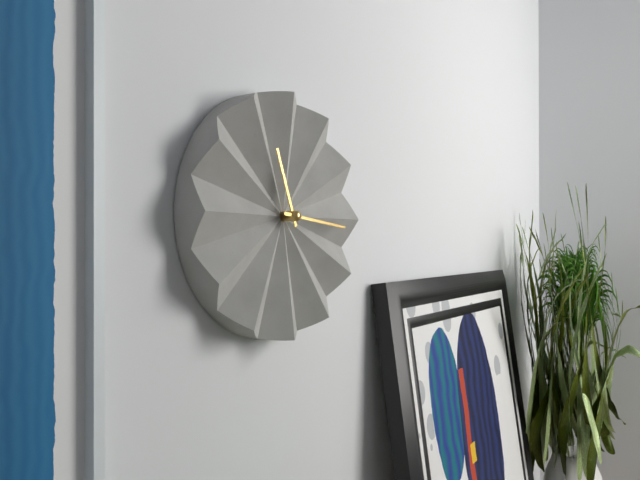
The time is 11h16
